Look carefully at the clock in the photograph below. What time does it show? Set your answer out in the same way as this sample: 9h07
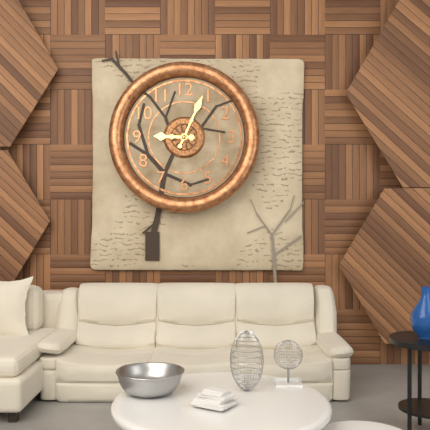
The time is 9h04
